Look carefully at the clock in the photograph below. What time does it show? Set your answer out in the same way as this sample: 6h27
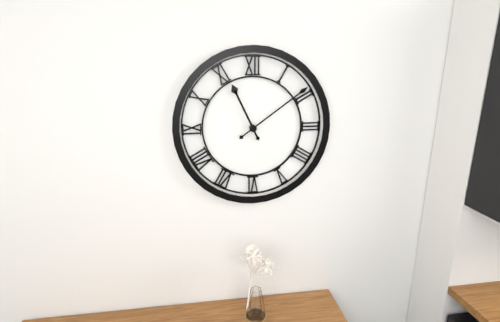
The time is 11h09
